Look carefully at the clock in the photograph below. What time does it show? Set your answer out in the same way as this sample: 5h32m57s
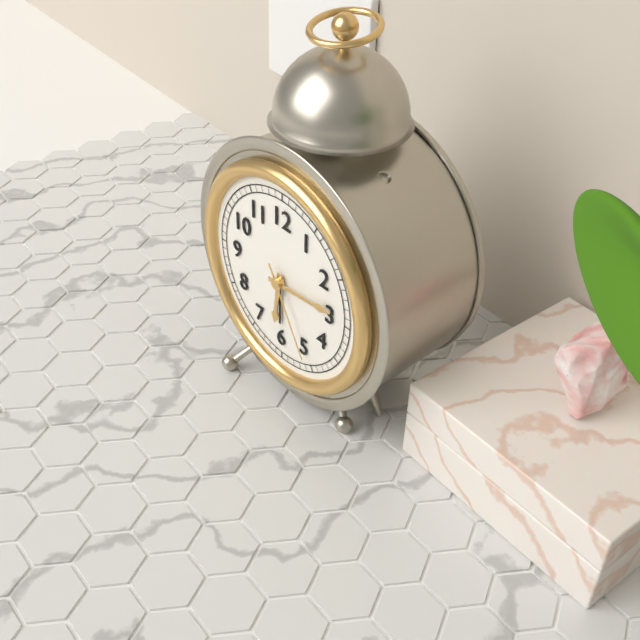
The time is 6h14m25s
